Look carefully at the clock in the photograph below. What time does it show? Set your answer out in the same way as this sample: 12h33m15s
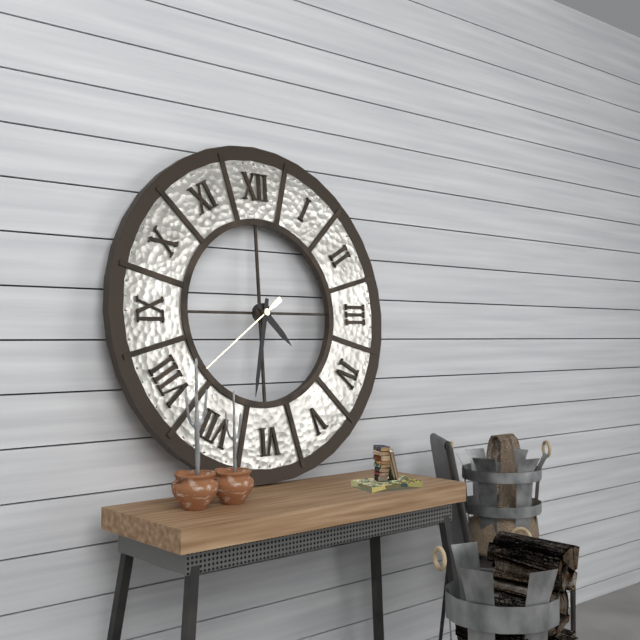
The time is 4h32m39s
